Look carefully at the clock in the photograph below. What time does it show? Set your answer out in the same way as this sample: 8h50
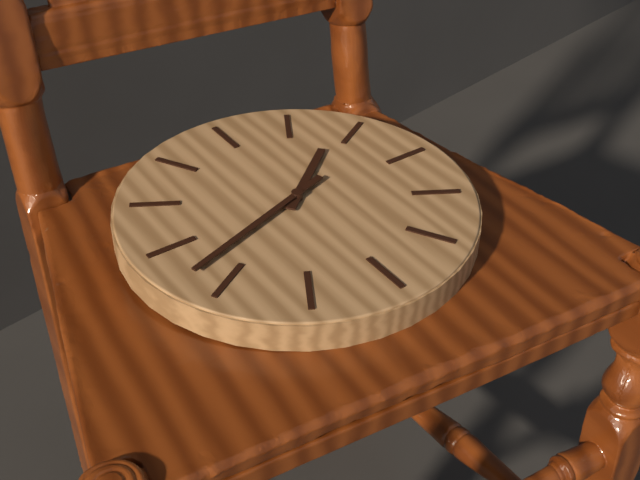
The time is 1h42
